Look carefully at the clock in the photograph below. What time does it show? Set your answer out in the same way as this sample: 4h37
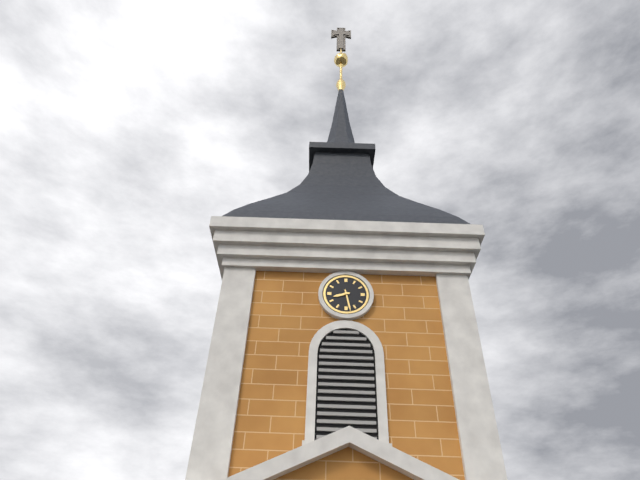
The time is 8h28
